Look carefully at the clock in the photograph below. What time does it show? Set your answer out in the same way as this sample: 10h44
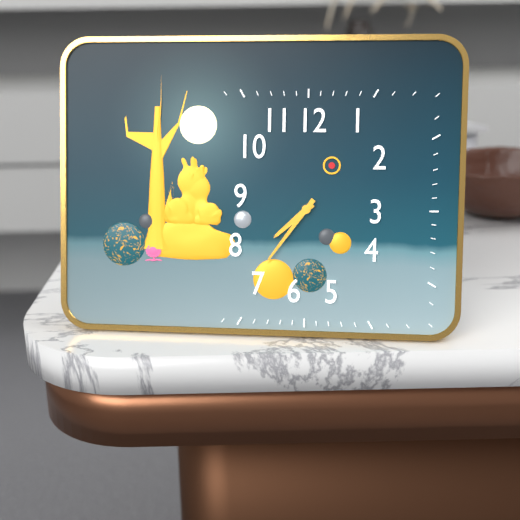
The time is 7h36
